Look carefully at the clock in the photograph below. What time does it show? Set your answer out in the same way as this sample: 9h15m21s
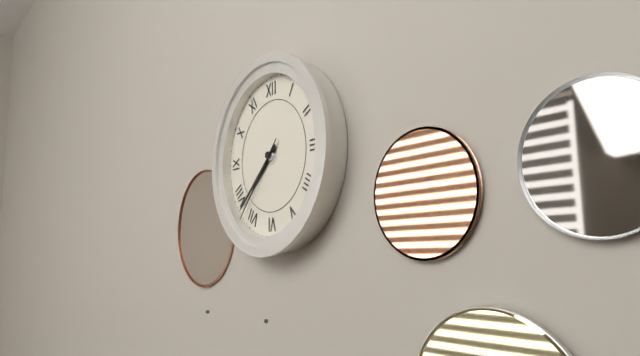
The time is 7h38m37s
